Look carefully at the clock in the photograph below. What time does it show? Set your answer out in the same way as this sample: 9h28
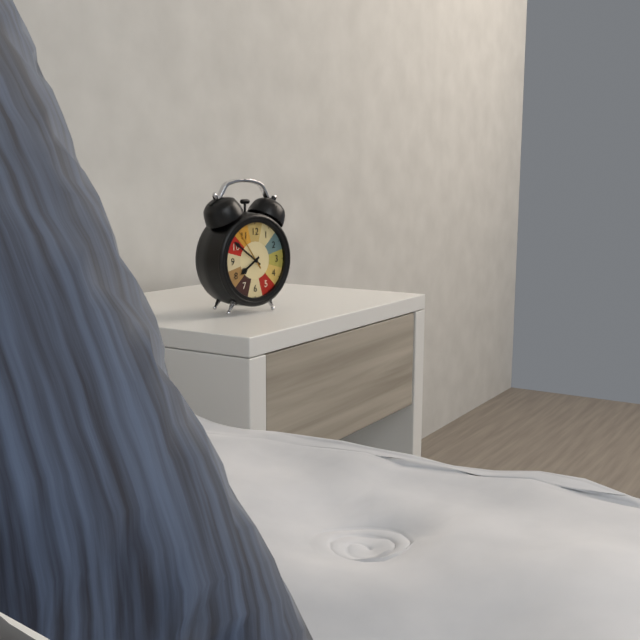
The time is 7h51
